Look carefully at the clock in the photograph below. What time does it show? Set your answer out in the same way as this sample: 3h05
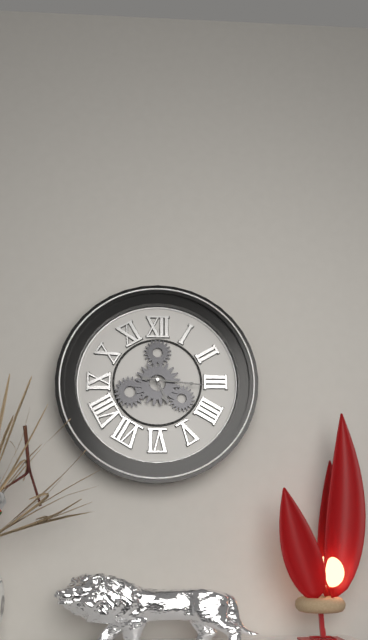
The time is 5h16
